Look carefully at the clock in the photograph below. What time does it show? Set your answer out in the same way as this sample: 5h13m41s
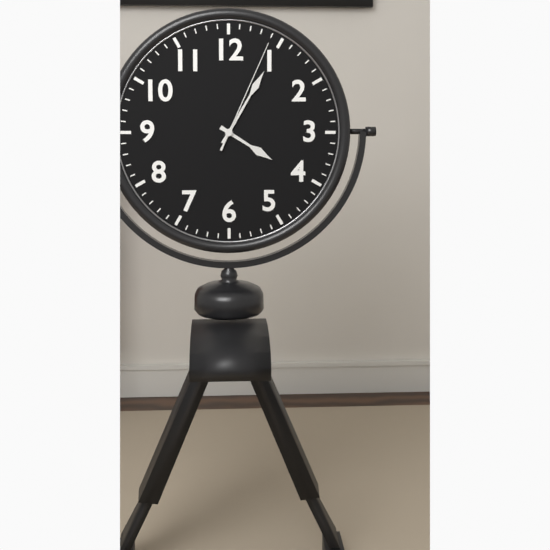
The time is 4h05m04s
